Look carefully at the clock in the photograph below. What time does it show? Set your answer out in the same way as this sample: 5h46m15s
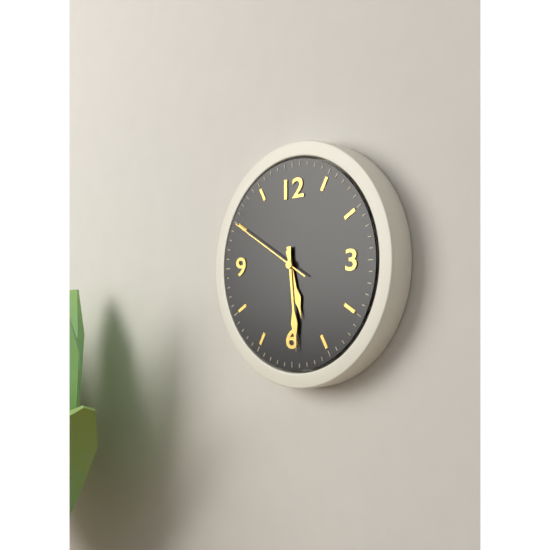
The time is 5h29m50s
